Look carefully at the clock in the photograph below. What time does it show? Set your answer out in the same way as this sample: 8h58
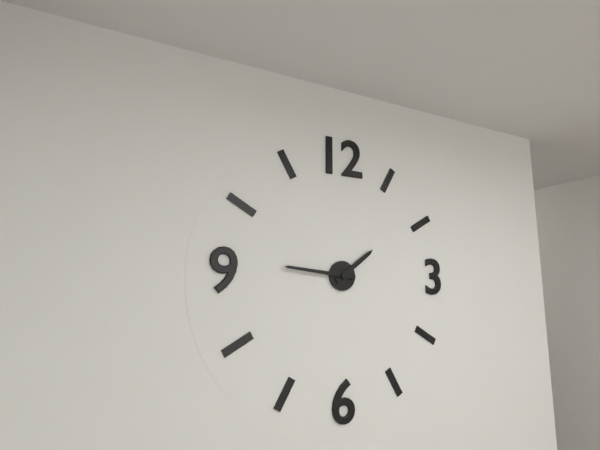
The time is 1h46
